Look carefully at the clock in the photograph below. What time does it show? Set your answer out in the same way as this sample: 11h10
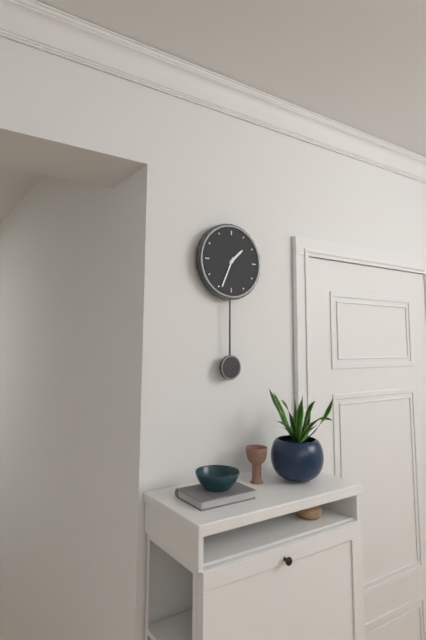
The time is 1h34
